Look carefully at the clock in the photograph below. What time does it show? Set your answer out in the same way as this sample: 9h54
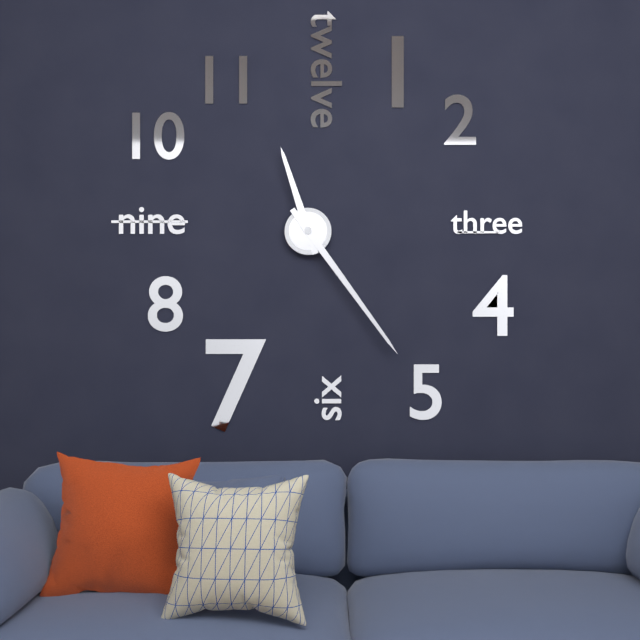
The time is 11h24
